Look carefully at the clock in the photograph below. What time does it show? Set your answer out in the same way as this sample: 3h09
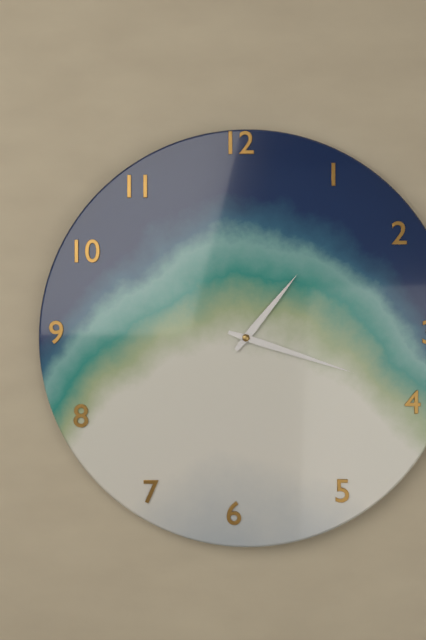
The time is 1h18
